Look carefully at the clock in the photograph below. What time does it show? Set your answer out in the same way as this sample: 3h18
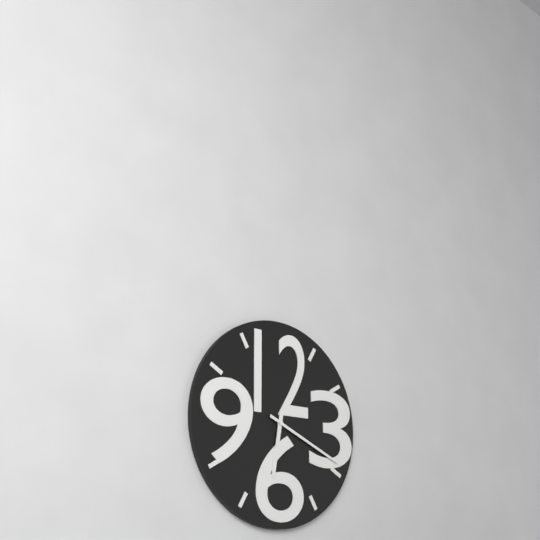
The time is 6h19
